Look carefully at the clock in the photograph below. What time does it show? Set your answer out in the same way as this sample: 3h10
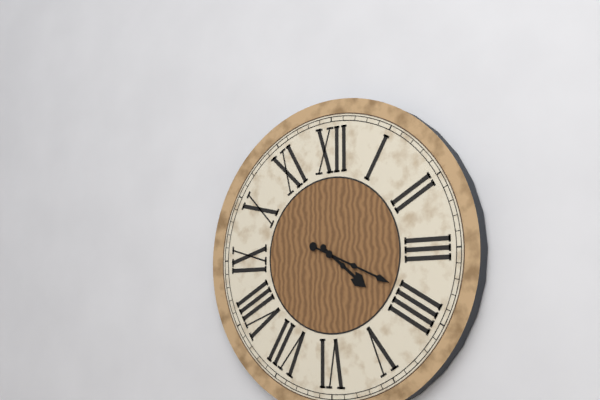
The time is 4h19
